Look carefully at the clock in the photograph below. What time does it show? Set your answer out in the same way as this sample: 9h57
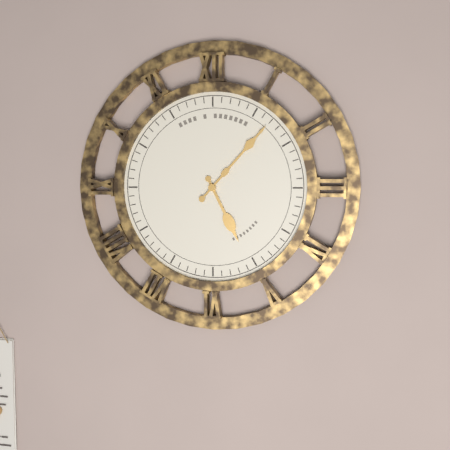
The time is 5h07
